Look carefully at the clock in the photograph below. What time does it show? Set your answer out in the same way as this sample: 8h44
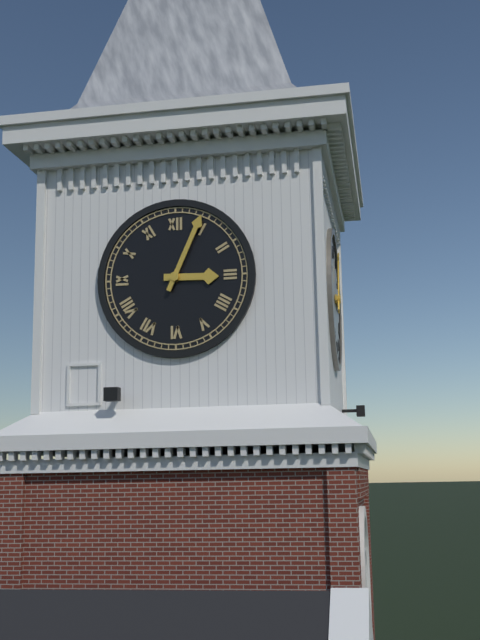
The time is 3h04
